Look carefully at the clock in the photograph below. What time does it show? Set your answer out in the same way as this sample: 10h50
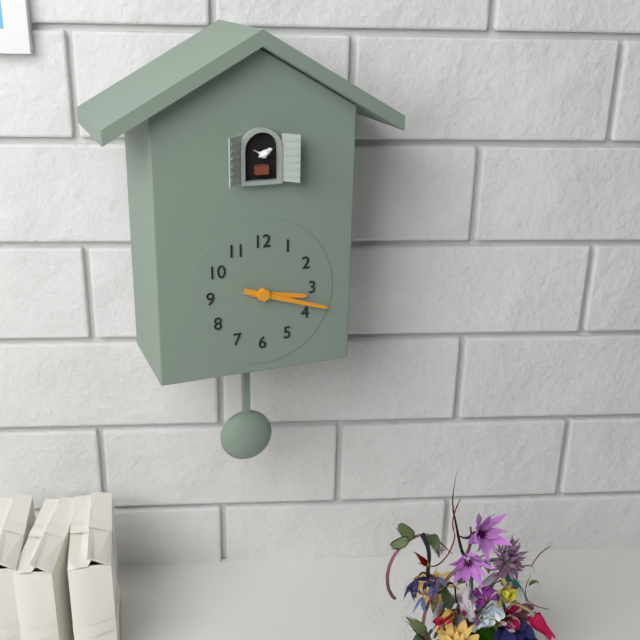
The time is 3h18
